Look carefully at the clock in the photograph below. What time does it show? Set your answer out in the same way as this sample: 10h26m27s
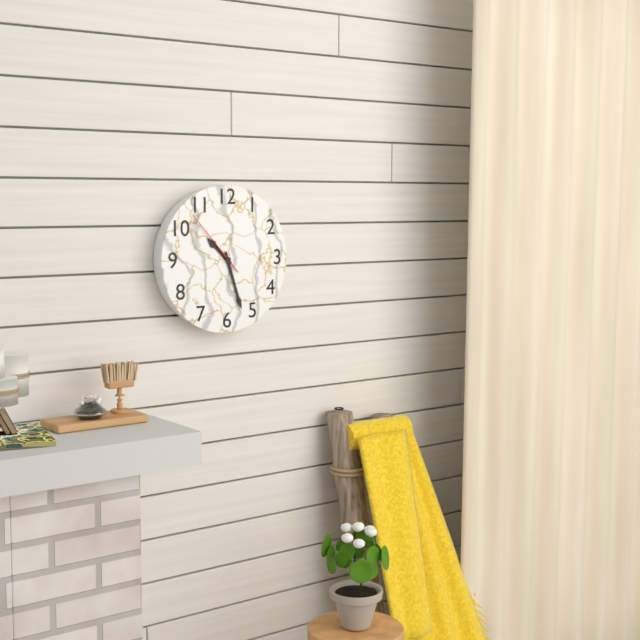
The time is 10h27m53s
